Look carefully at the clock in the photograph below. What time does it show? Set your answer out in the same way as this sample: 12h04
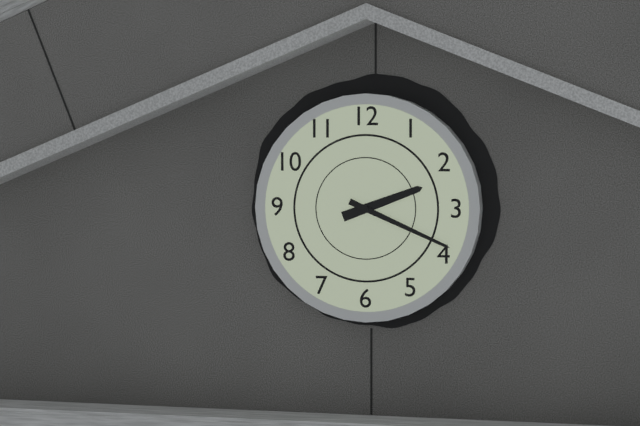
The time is 2h19
